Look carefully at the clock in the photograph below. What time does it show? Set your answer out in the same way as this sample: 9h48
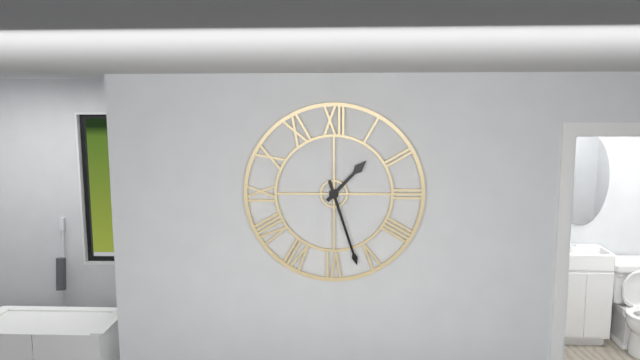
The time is 1h27
